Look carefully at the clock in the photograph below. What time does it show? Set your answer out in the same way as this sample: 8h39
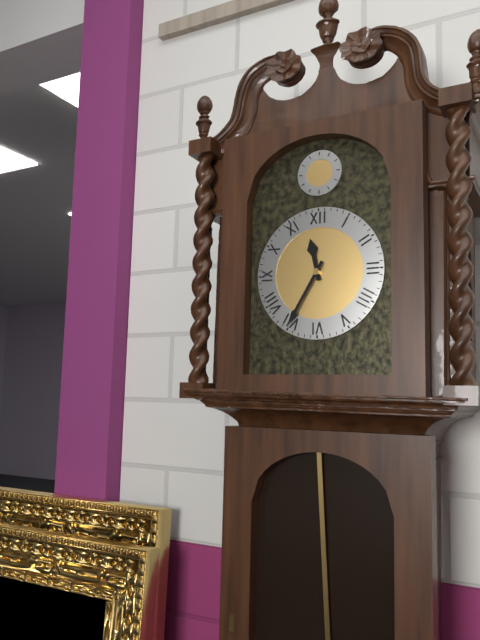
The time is 11h35
